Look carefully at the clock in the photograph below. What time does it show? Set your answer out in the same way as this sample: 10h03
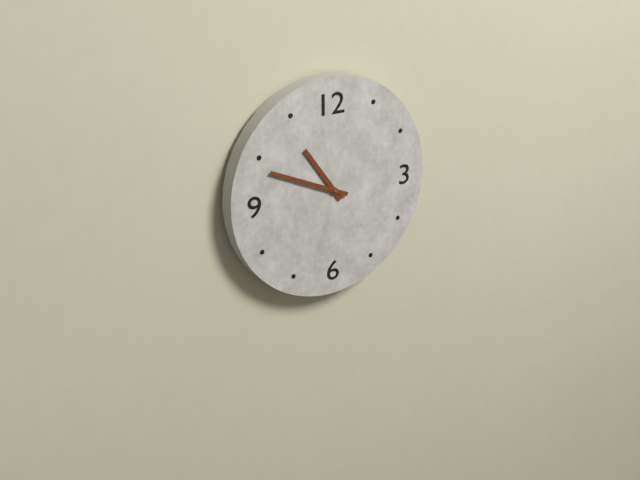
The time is 10h49
